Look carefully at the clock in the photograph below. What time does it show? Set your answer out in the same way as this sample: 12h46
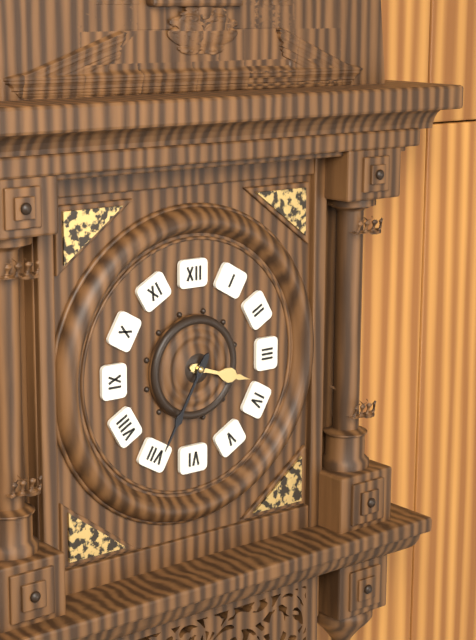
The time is 3h35
